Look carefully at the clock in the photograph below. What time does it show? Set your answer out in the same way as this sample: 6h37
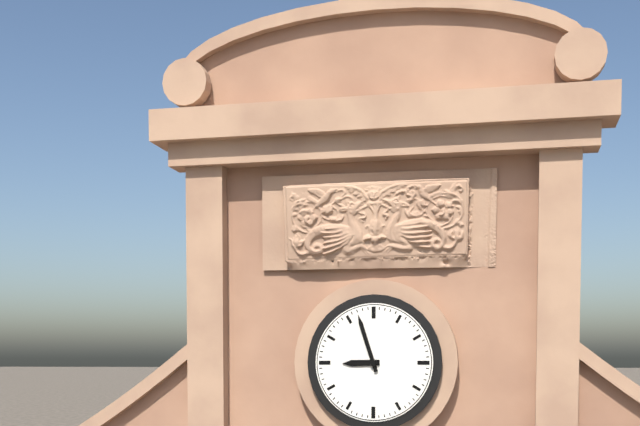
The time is 8h57
